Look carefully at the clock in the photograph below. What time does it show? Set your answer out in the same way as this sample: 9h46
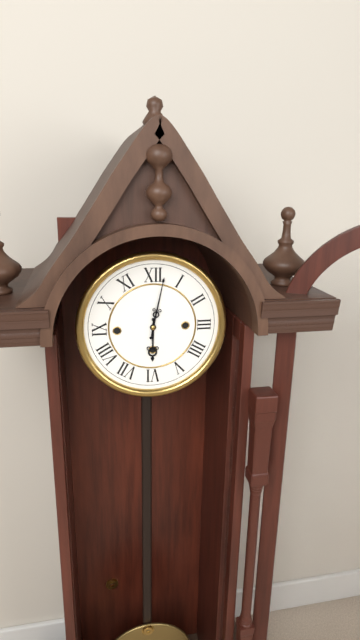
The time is 6h02
